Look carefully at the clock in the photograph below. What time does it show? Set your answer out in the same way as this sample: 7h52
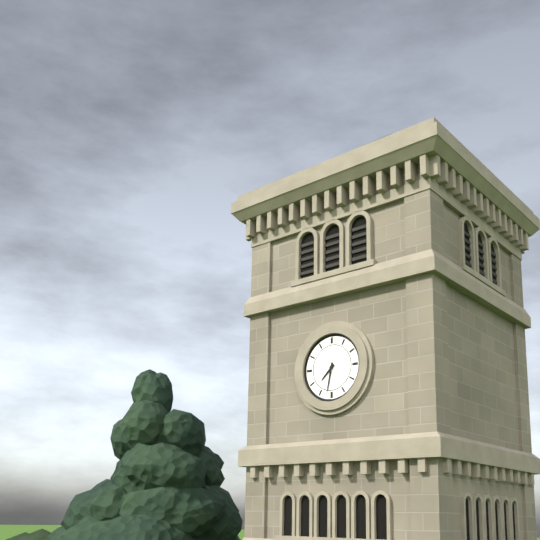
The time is 7h32
